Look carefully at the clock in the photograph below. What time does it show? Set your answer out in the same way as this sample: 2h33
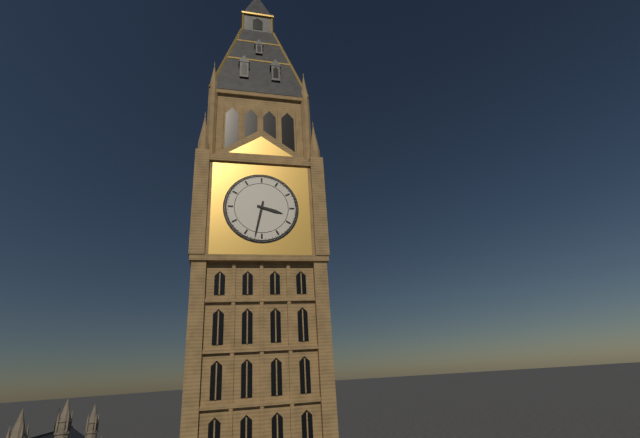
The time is 3h32
